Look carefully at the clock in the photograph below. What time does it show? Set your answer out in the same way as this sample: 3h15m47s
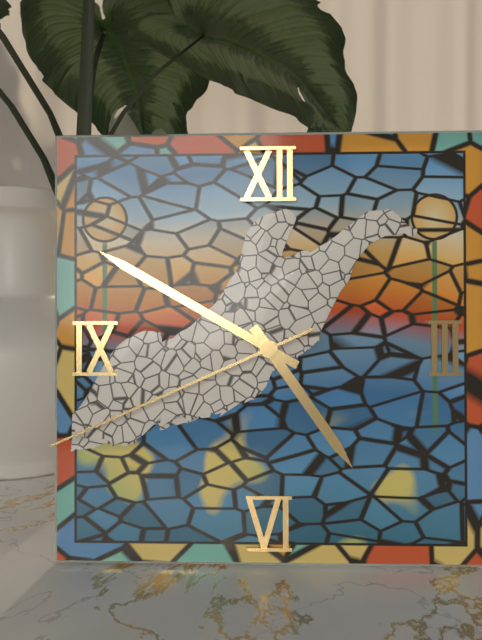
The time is 4h50m41s
